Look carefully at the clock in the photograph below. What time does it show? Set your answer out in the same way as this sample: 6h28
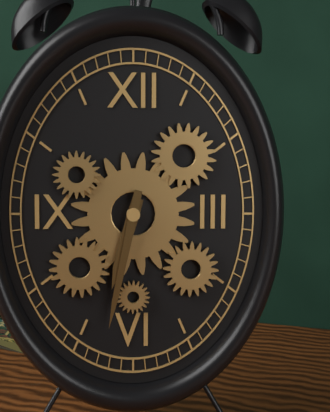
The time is 6h32
